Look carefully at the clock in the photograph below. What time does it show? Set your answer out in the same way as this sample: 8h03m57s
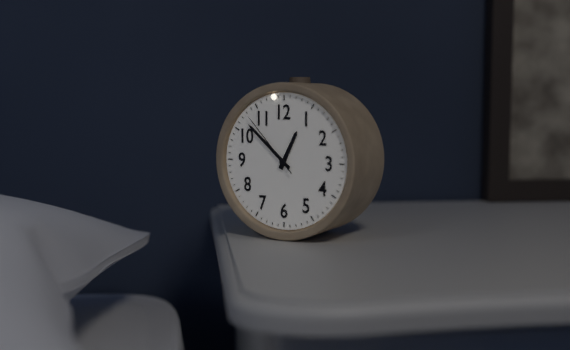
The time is 12h52m53s
